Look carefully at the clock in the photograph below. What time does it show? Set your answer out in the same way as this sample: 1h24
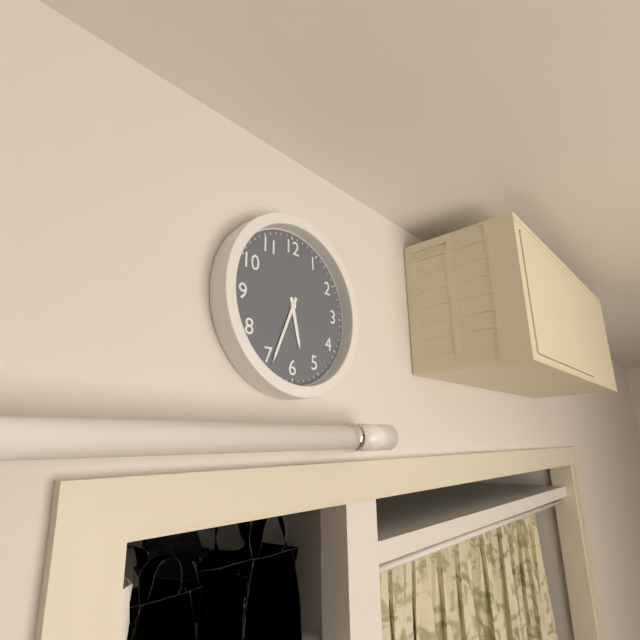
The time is 5h34
